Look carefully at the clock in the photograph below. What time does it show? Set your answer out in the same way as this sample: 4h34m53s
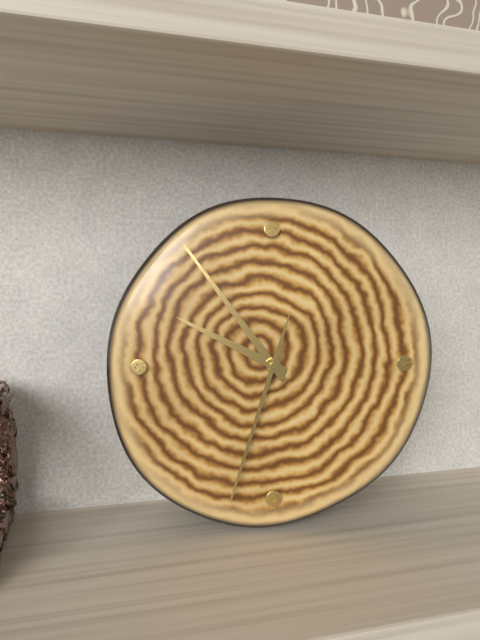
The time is 9h54m33s
